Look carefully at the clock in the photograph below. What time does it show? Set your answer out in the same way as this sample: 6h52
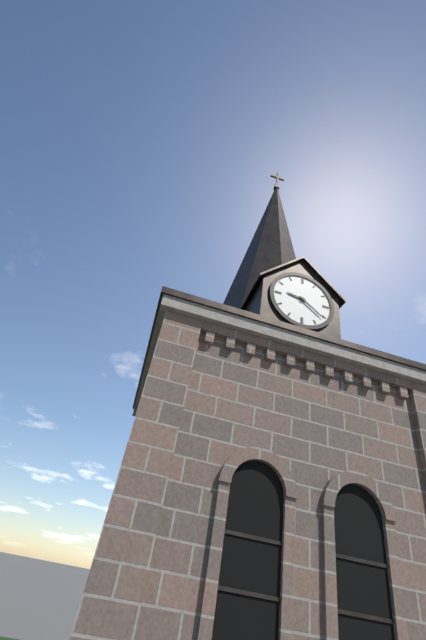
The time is 9h21
